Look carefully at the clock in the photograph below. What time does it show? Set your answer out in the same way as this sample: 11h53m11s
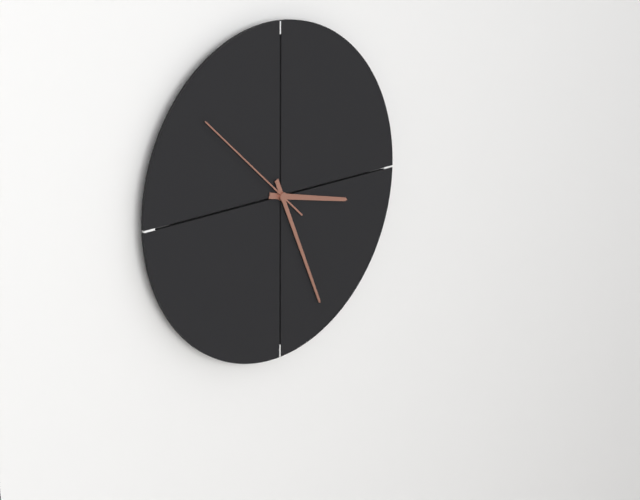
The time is 3h26m52s
